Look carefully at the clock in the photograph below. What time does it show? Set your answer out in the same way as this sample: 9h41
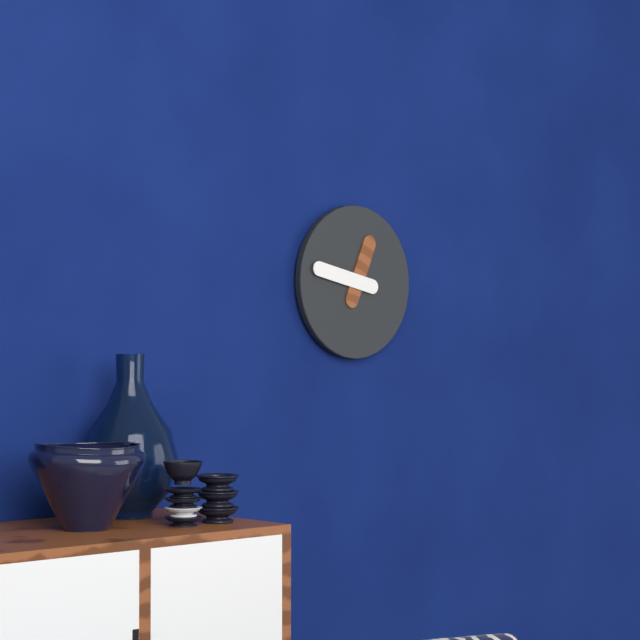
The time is 12h47
